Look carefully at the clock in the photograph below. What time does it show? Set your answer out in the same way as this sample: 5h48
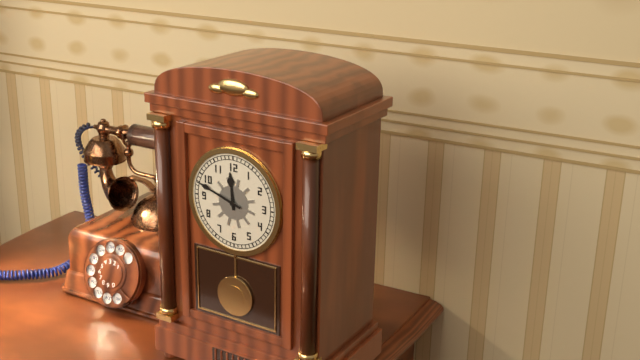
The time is 11h48
